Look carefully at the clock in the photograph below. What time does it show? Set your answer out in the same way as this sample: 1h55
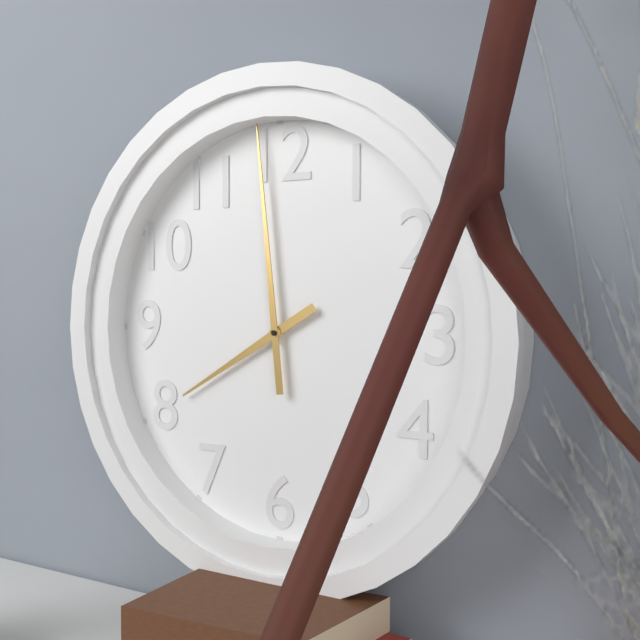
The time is 7h59
